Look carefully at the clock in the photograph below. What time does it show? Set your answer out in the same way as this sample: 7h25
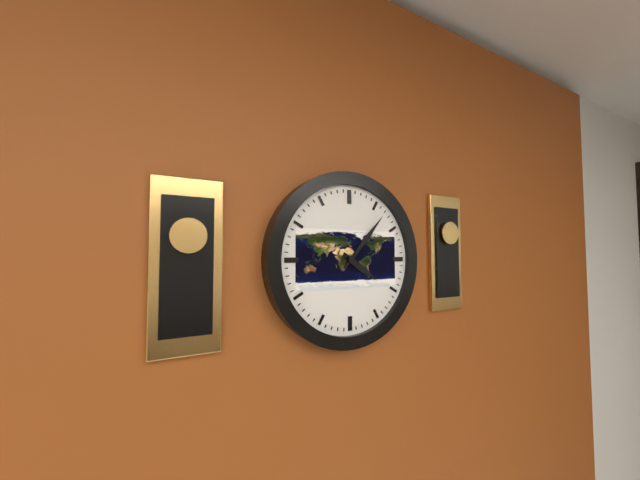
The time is 4h07
